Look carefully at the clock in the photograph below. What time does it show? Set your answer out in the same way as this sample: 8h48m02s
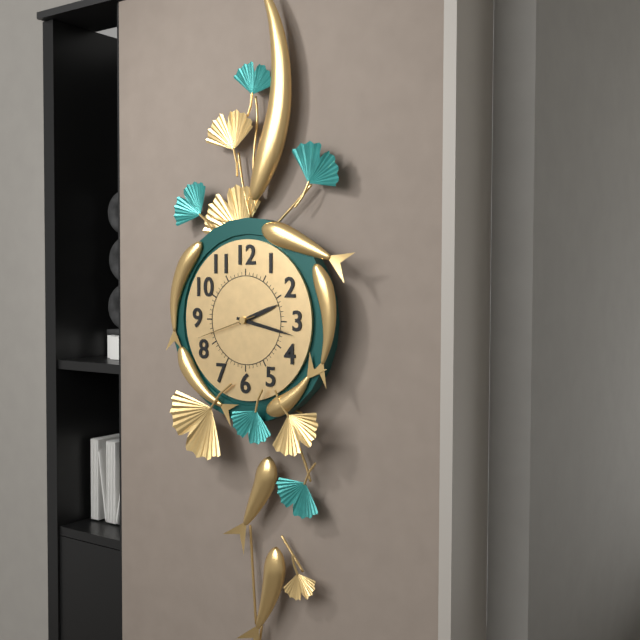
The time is 2h17m42s
